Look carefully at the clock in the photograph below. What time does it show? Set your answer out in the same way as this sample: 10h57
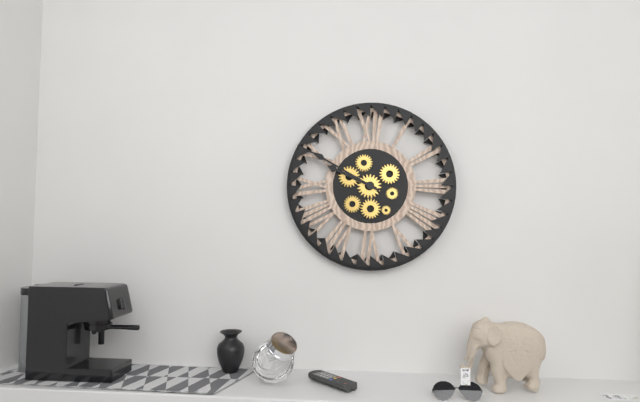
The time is 9h50
